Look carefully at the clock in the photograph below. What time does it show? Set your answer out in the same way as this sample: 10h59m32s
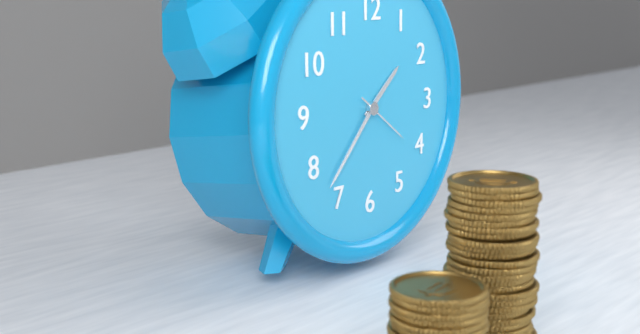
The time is 1h37m21s
